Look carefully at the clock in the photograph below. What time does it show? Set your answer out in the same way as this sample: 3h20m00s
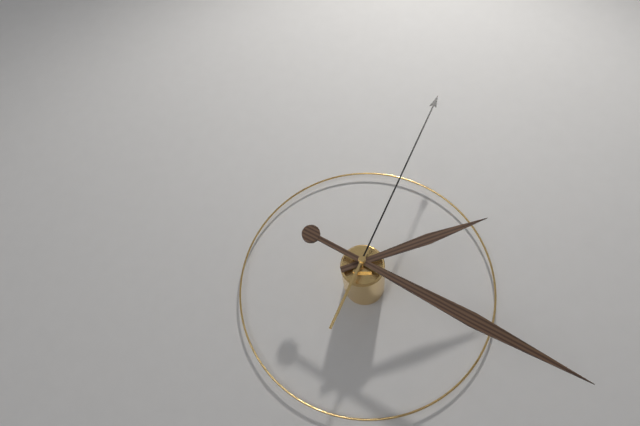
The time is 2h20m04s
